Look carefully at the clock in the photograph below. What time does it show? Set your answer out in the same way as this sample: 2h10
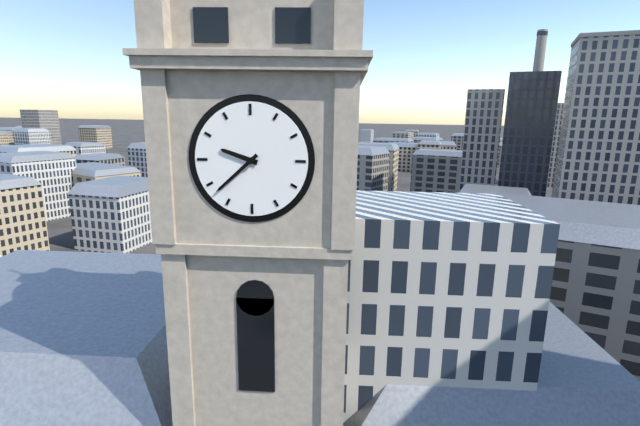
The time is 9h38
